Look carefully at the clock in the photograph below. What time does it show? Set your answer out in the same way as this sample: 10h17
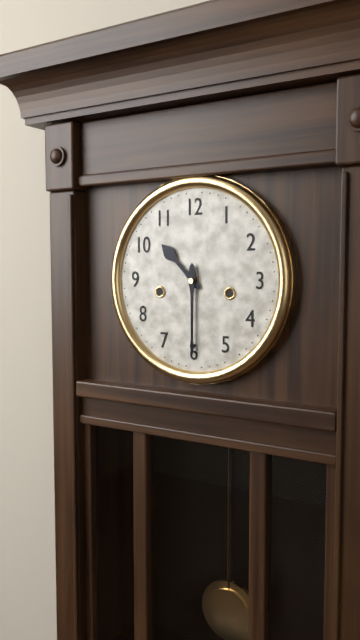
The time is 10h30
